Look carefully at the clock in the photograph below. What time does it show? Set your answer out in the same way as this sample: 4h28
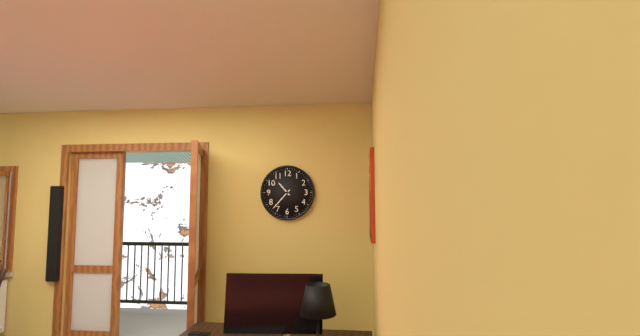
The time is 10h37
